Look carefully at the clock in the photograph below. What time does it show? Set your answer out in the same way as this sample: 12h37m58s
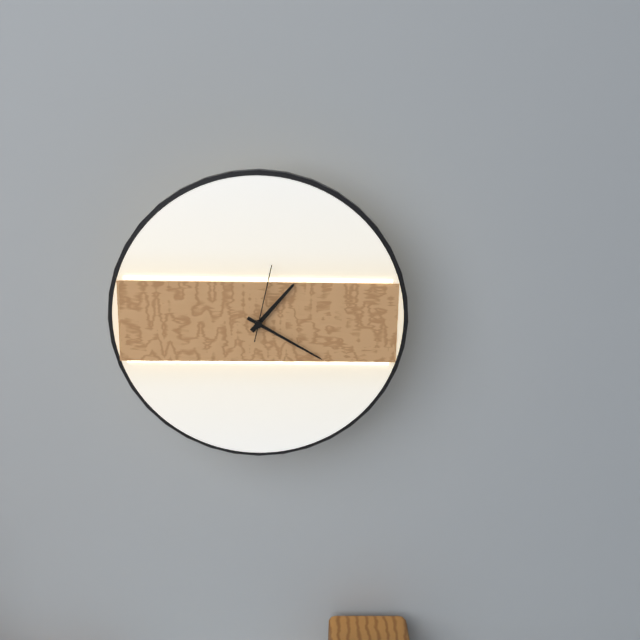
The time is 1h20m02s
